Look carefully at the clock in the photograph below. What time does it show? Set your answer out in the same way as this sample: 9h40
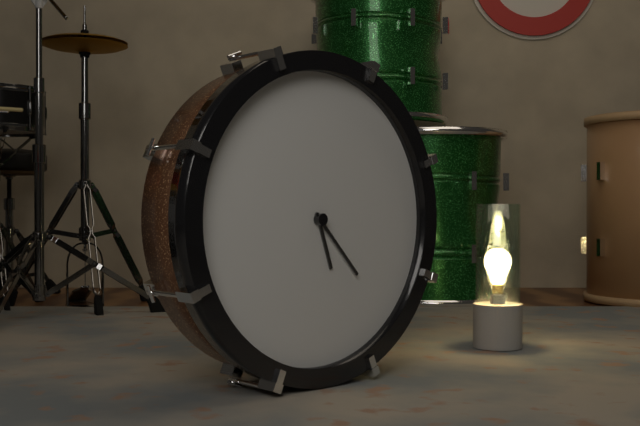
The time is 5h23
